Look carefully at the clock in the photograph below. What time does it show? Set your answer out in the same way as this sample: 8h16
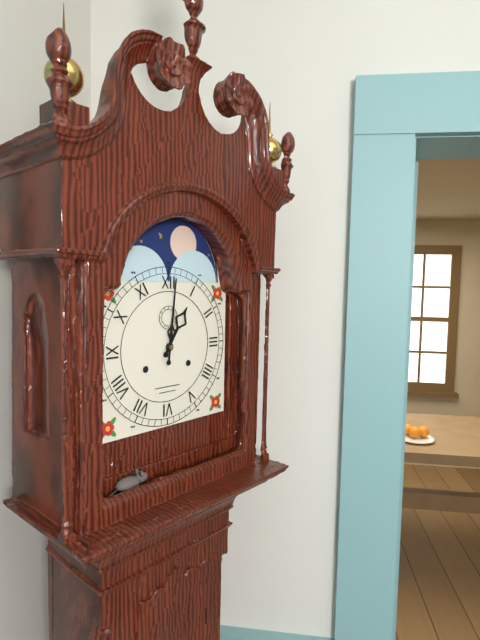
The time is 1h01
